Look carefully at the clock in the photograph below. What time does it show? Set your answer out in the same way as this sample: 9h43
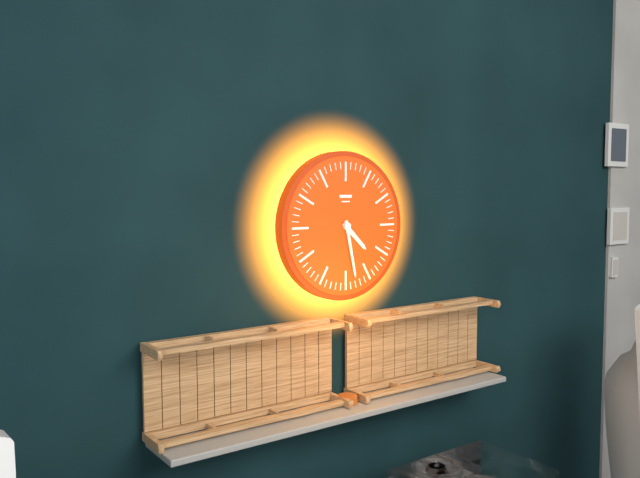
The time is 4h28
